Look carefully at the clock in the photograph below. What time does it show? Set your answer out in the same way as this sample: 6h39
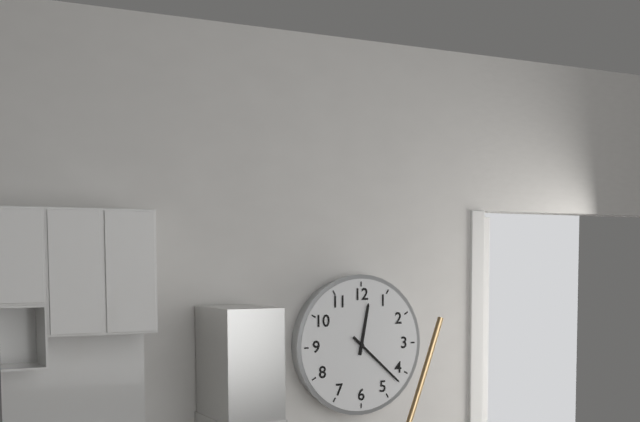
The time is 12h22
